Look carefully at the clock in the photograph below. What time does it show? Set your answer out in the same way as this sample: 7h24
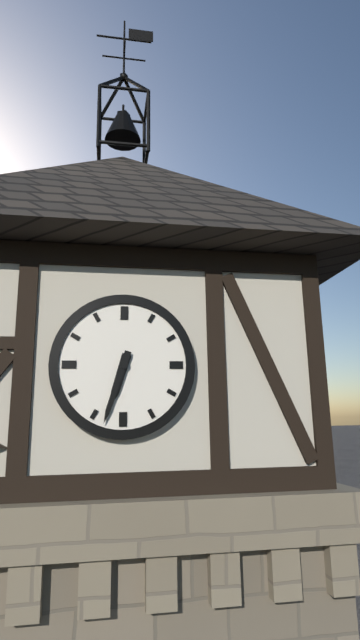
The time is 6h33
